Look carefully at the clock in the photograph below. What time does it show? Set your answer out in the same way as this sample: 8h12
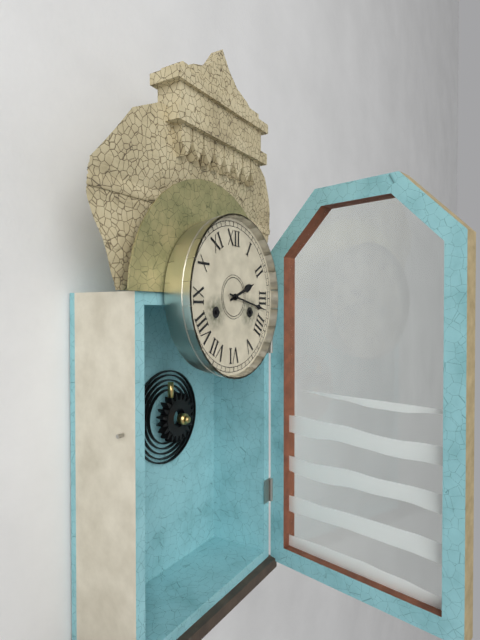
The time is 2h17
